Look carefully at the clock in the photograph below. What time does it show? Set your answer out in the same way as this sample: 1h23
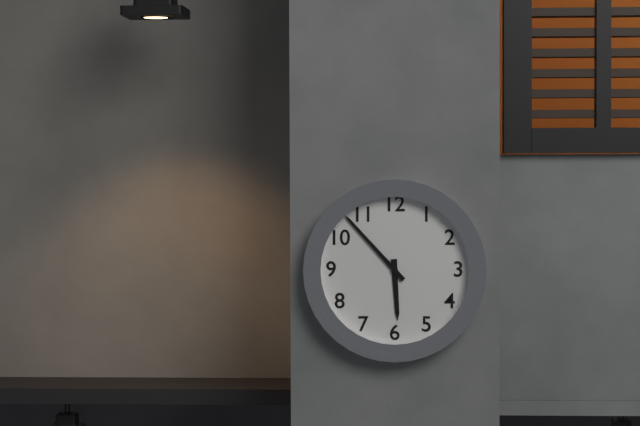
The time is 5h53
